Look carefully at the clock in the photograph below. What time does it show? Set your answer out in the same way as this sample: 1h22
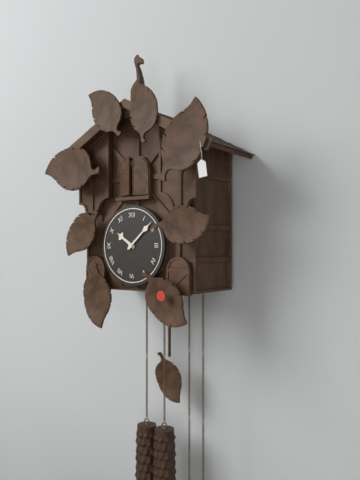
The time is 10h08
